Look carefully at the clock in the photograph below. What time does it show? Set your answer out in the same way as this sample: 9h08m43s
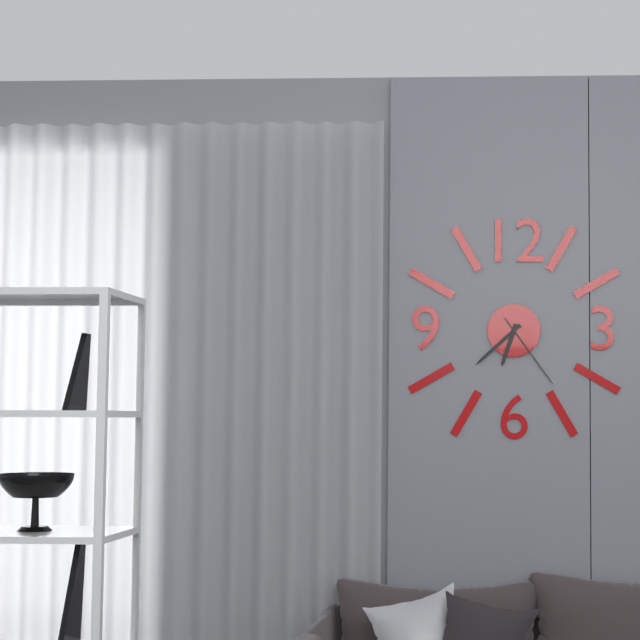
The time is 6h38m24s
